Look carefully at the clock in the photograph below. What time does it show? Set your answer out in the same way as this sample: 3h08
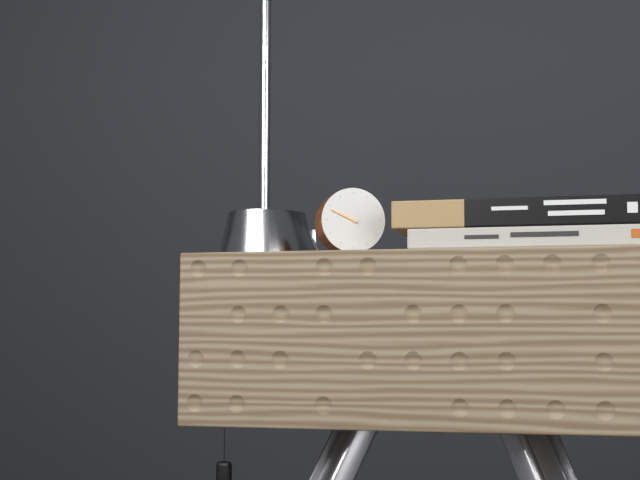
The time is 9h49
